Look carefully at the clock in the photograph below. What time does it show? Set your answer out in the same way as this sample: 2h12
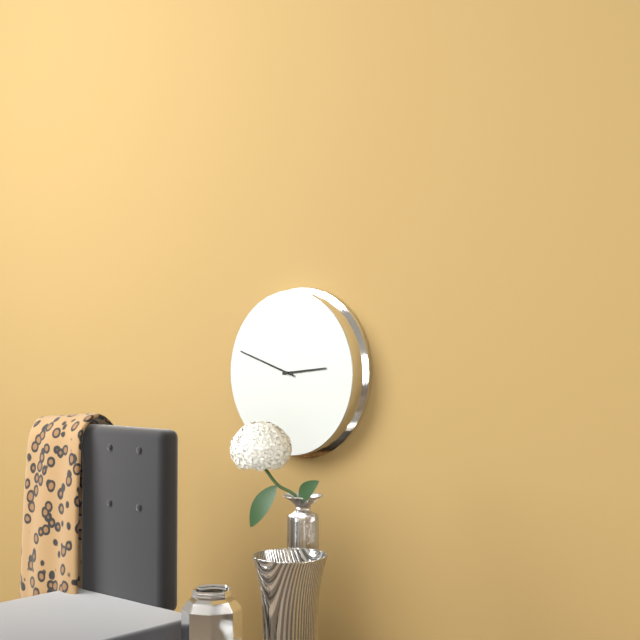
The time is 2h48
